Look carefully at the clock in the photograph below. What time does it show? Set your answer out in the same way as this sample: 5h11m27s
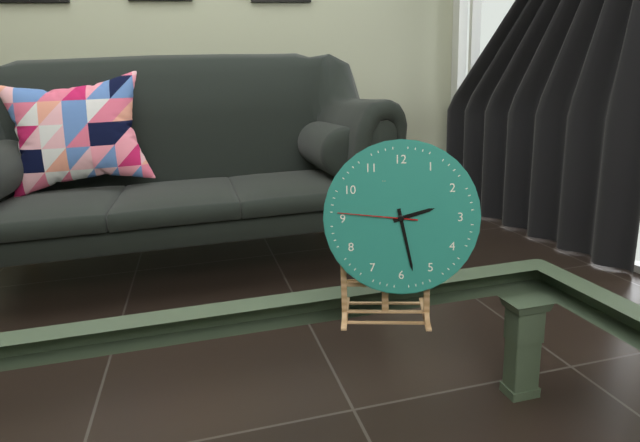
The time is 2h28m46s
